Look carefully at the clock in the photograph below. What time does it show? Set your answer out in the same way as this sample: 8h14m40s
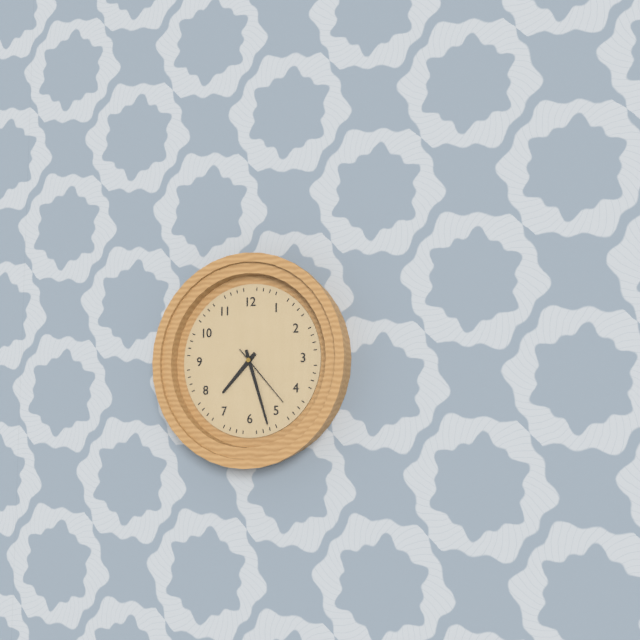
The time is 7h27m23s
